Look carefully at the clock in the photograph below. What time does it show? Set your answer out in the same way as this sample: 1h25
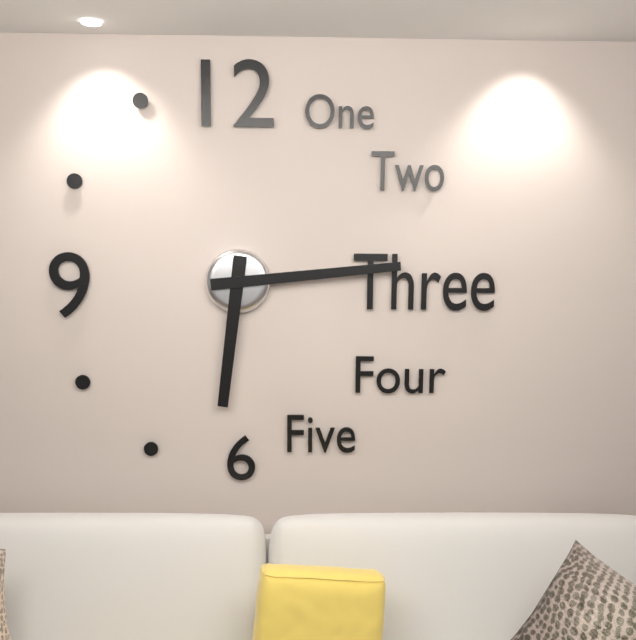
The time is 6h14
